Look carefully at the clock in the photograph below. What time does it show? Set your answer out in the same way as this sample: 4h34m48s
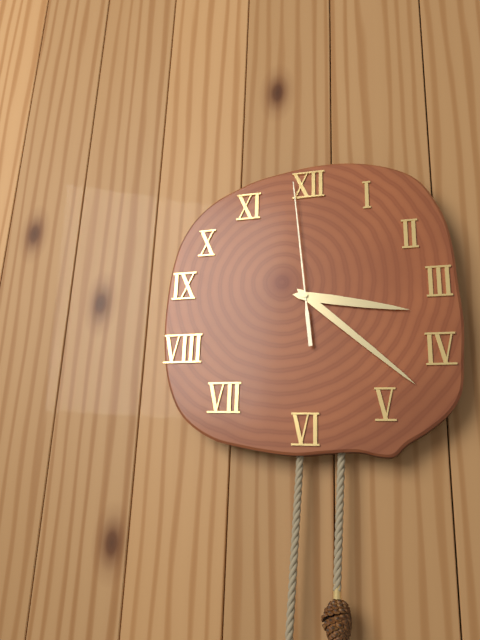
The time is 3h22m59s
